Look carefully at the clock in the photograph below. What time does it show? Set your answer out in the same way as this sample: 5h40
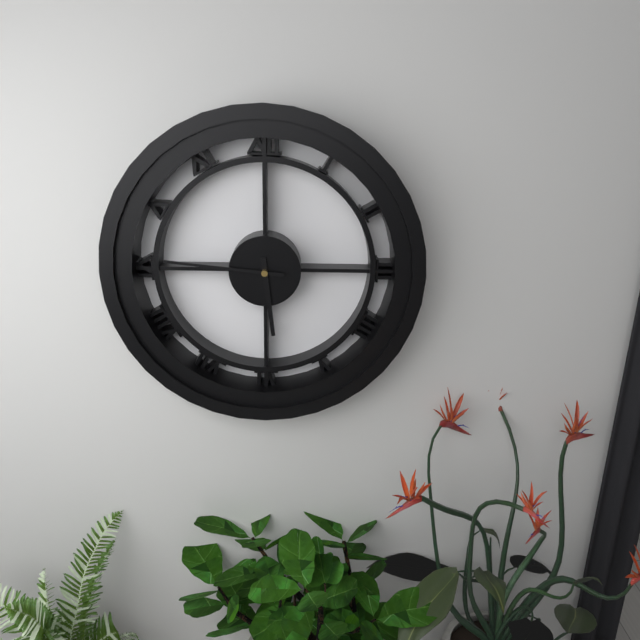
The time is 5h46
